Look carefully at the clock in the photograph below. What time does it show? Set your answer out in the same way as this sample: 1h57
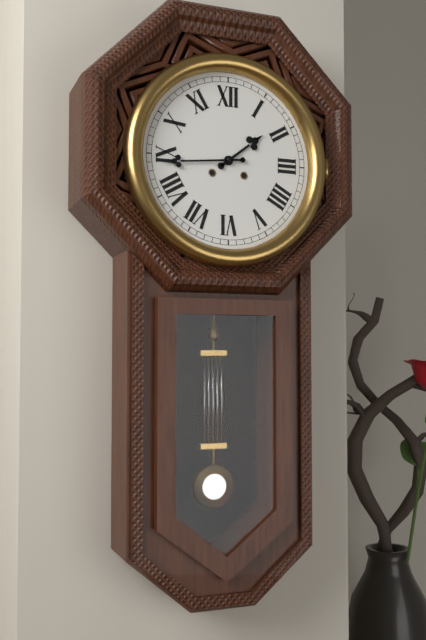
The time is 1h44
